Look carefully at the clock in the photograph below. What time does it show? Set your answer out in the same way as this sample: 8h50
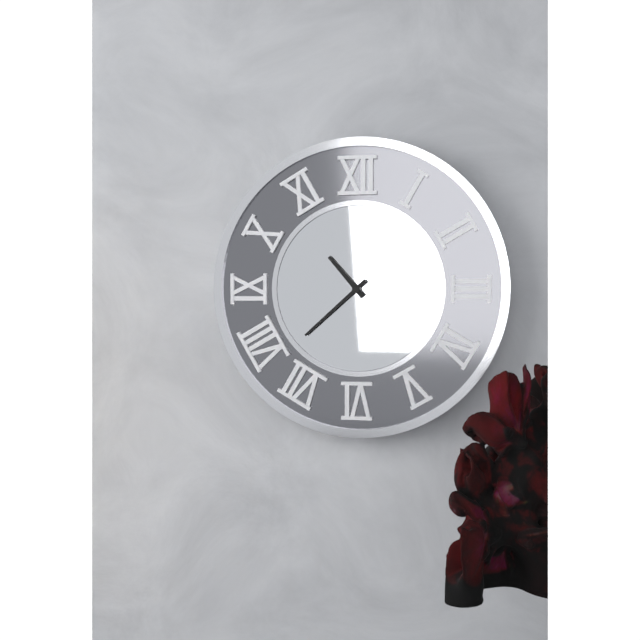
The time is 10h38
